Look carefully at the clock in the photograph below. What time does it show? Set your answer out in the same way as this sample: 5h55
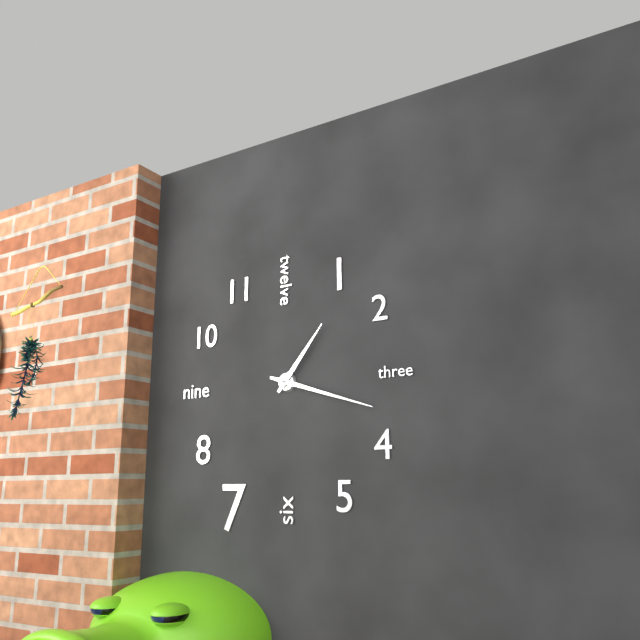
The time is 1h18
